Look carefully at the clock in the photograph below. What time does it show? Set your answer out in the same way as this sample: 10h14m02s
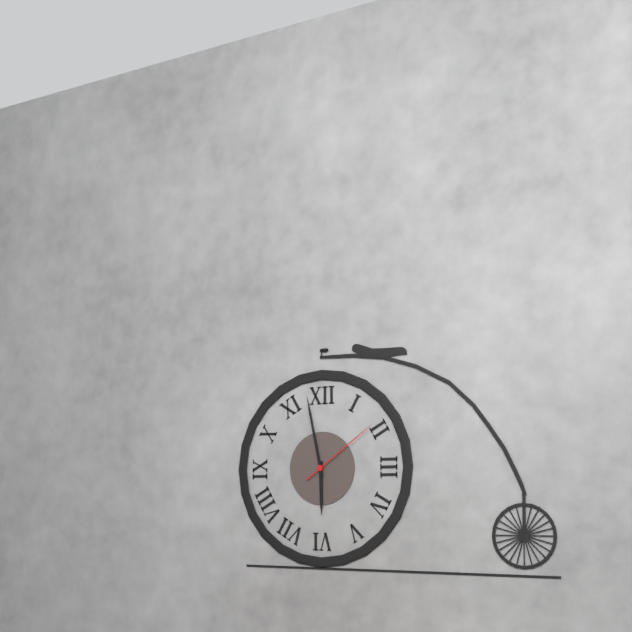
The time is 5h58m09s
